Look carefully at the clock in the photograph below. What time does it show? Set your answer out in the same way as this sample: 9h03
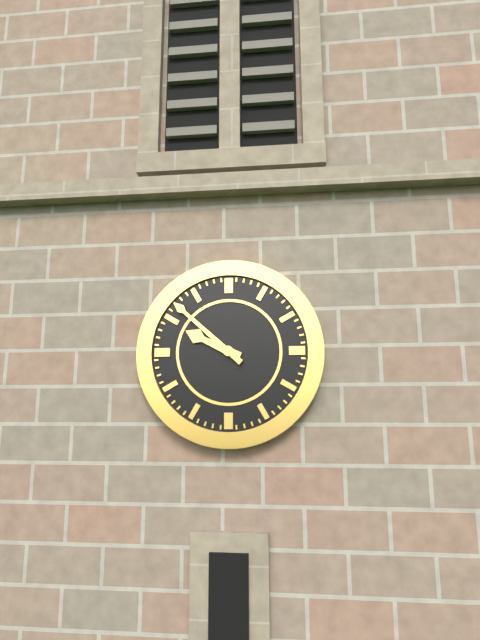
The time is 9h52
